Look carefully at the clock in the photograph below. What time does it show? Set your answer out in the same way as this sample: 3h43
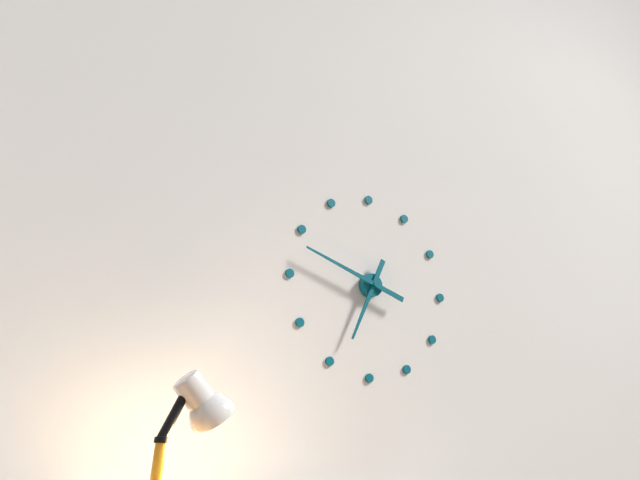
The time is 6h48
